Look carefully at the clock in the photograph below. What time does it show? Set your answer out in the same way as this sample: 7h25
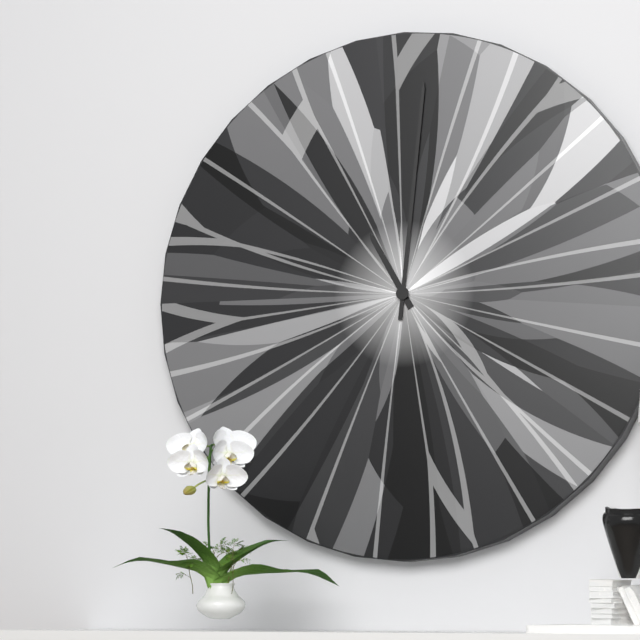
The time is 11h01
